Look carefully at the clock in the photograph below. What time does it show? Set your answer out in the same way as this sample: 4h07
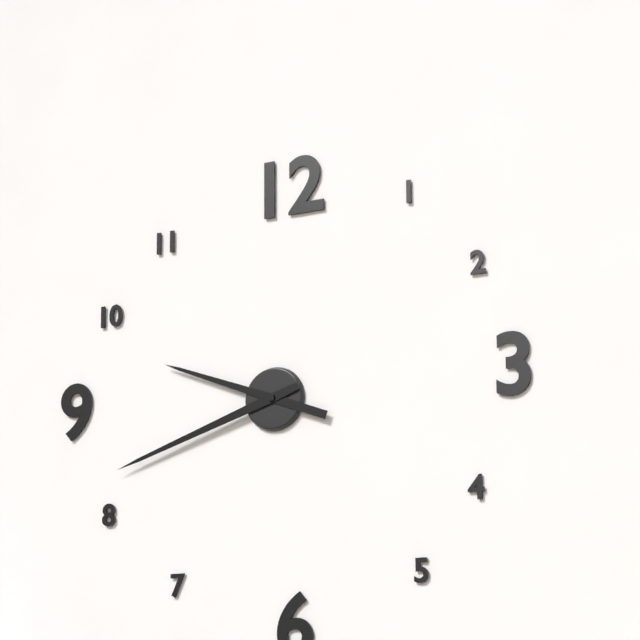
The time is 9h42
